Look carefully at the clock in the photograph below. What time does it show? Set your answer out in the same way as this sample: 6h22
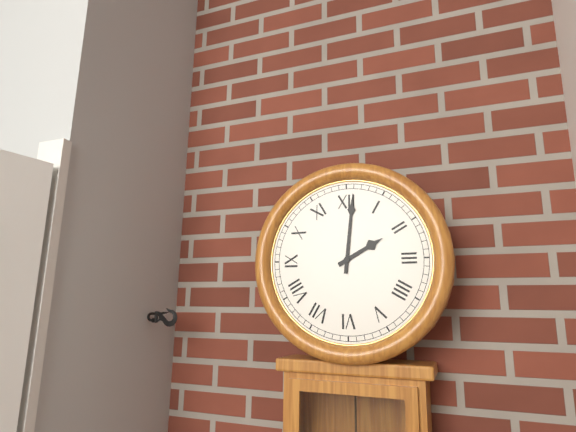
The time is 2h01
